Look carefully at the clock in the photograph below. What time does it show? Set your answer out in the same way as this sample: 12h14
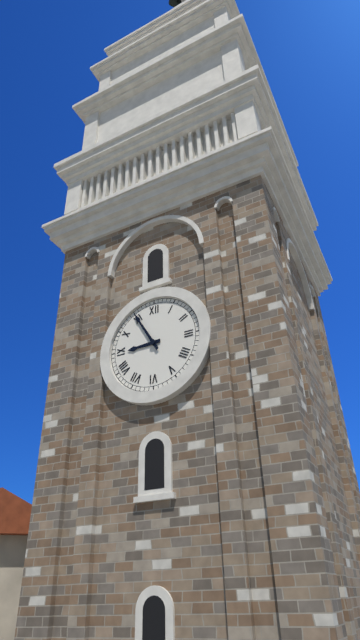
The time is 8h55
